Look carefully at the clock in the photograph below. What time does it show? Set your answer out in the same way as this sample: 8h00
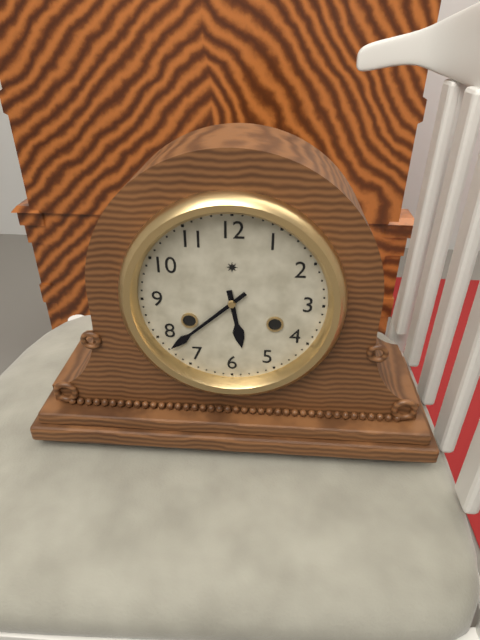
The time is 5h38
